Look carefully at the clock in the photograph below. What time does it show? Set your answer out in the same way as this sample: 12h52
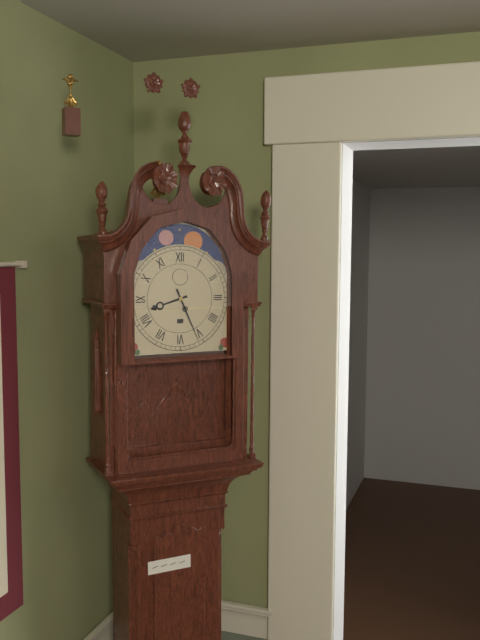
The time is 8h26
